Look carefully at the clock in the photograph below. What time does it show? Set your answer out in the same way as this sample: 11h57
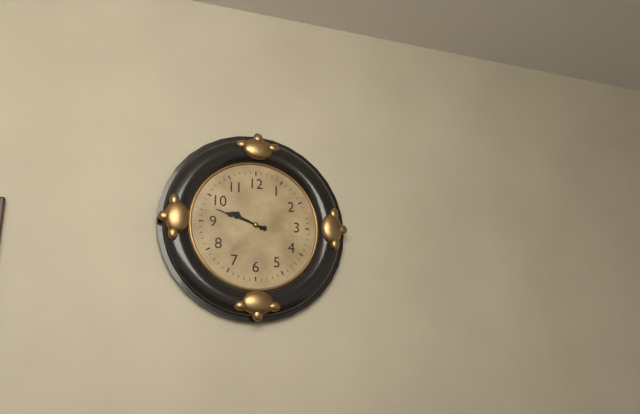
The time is 9h48
